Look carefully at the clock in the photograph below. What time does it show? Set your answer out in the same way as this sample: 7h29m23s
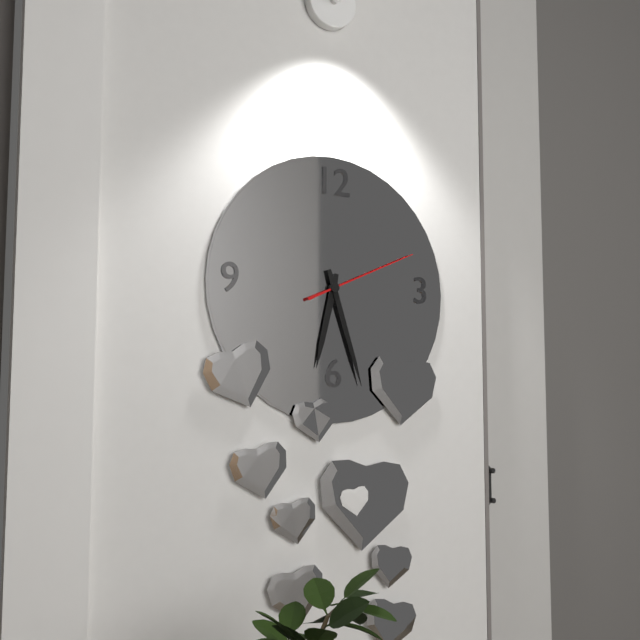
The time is 6h27m11s
